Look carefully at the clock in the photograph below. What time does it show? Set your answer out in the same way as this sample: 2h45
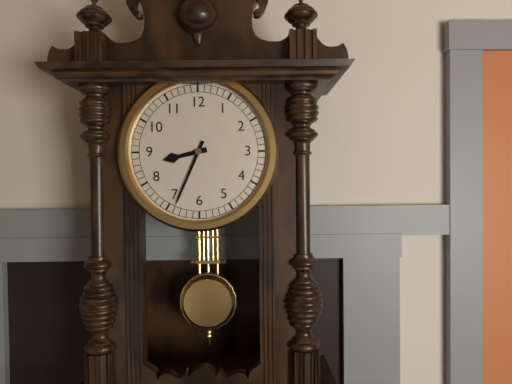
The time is 8h34
